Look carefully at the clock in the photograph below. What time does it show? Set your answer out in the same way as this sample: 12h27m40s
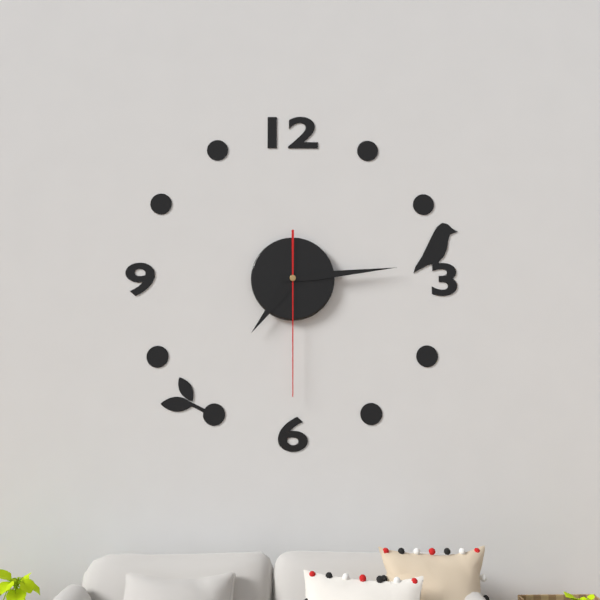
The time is 7h14m30s
